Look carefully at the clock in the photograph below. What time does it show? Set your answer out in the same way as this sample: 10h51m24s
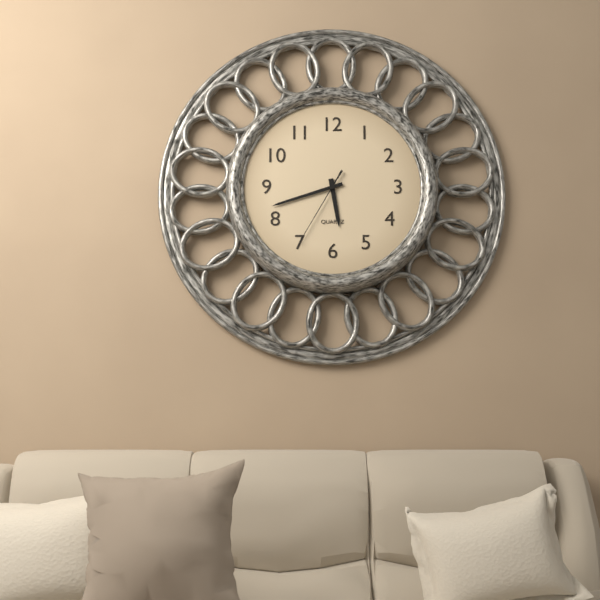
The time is 5h42m35s
